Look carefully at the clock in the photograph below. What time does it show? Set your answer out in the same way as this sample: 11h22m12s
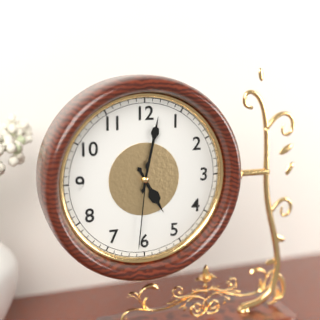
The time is 5h02m31s
